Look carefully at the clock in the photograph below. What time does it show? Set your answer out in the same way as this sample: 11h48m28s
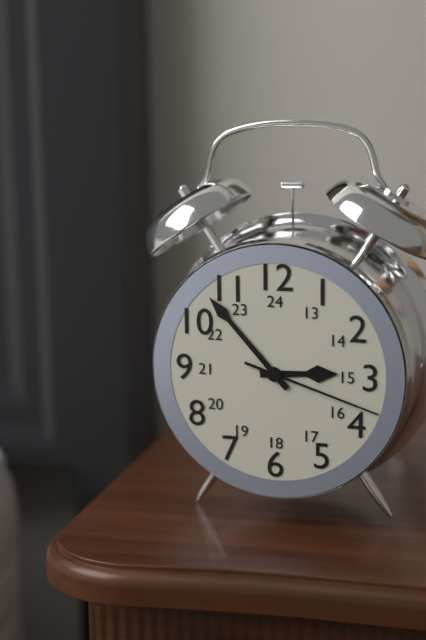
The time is 2h53m18s
